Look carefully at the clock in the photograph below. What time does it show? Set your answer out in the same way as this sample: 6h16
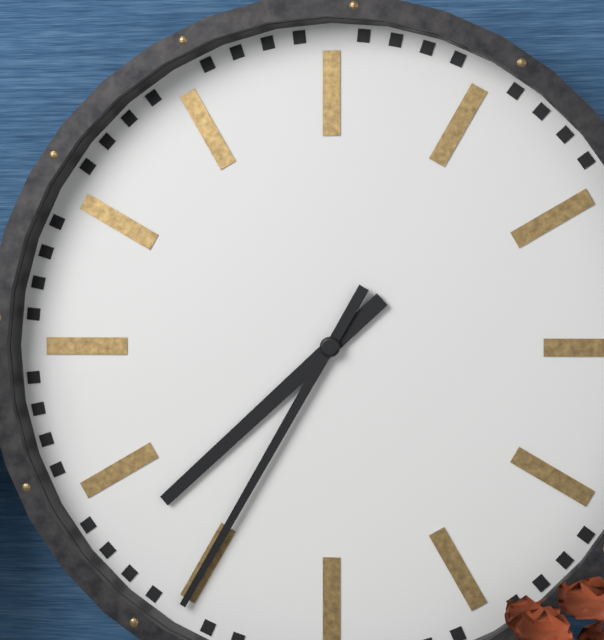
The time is 7h35
